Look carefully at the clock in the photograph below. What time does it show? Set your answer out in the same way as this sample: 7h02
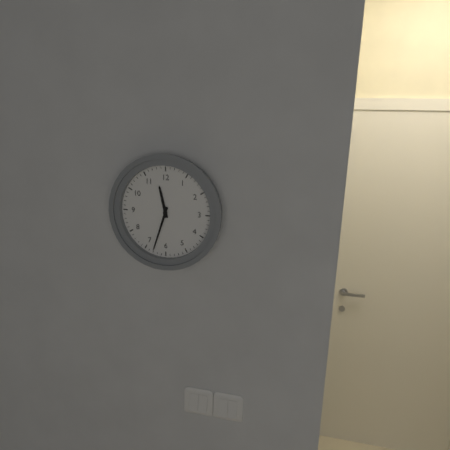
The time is 11h33
